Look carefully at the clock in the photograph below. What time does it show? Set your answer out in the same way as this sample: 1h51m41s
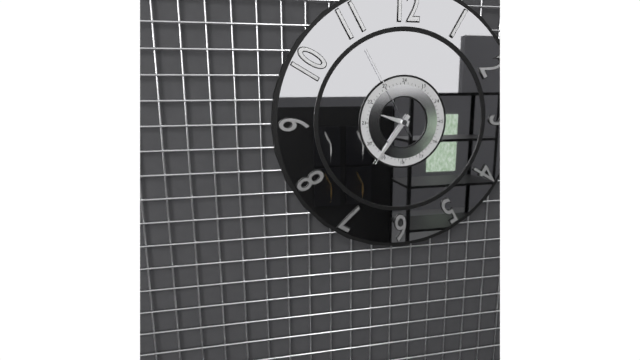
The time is 9h36m55s
